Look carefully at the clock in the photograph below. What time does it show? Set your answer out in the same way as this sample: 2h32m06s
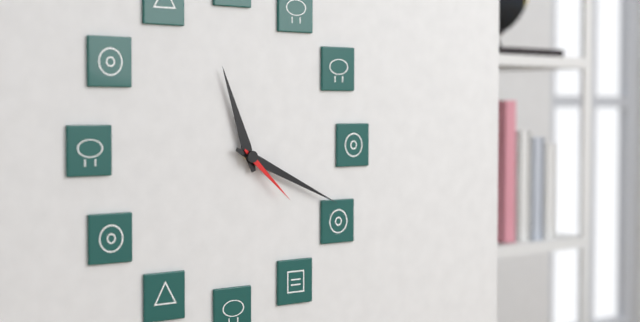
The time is 11h19m22s
